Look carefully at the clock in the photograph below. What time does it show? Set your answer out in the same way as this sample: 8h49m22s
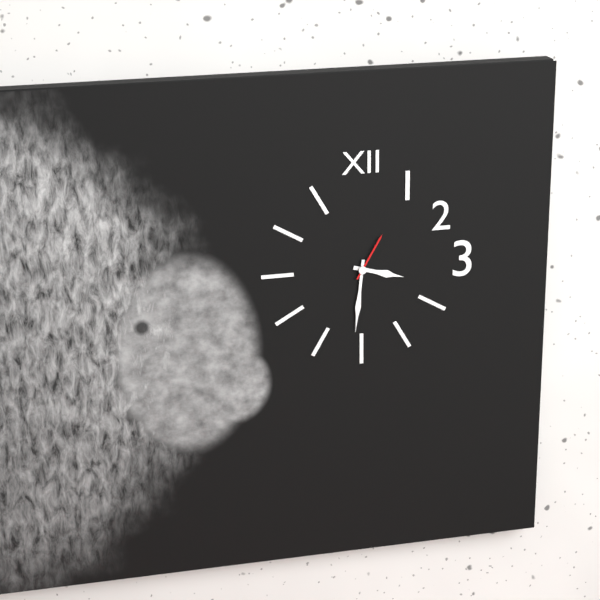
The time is 3h31m05s
